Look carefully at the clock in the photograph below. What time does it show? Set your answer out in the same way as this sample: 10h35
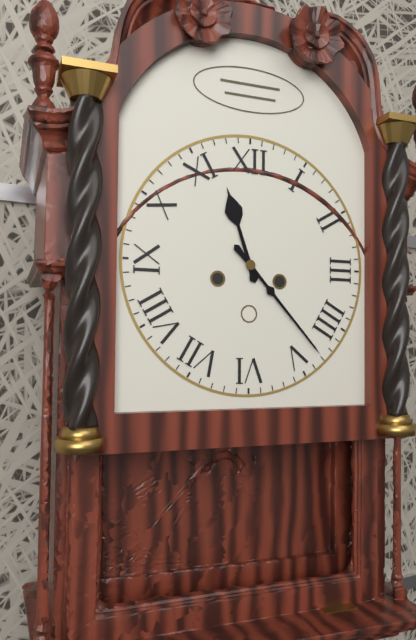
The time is 11h23
